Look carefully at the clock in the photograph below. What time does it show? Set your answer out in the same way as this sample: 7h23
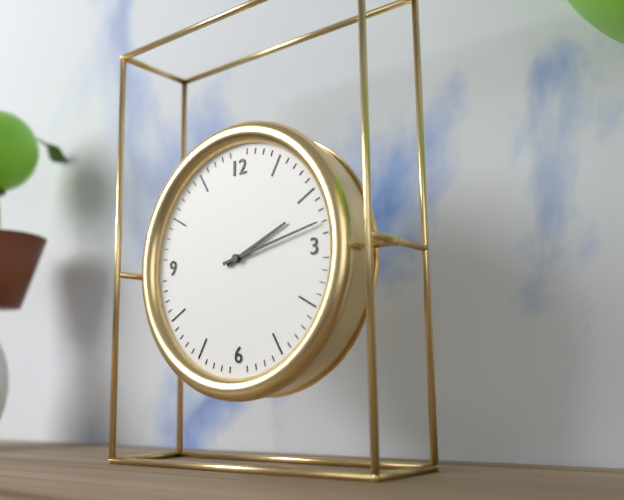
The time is 2h13
